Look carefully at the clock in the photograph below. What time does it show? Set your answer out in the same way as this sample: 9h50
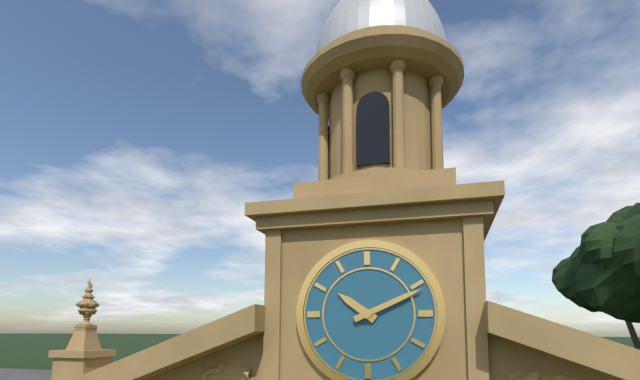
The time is 10h11
